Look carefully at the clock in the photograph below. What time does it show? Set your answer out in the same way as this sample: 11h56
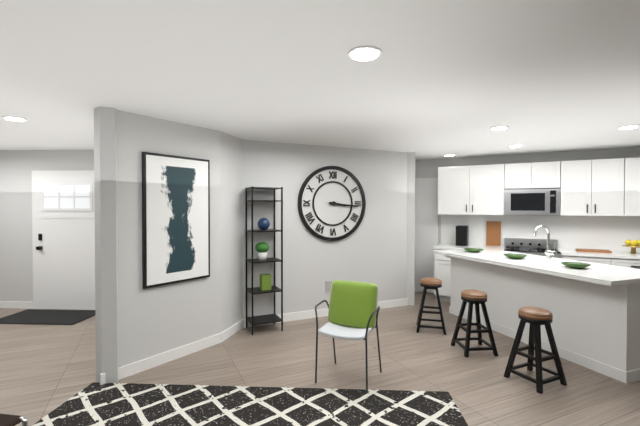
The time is 3h16
